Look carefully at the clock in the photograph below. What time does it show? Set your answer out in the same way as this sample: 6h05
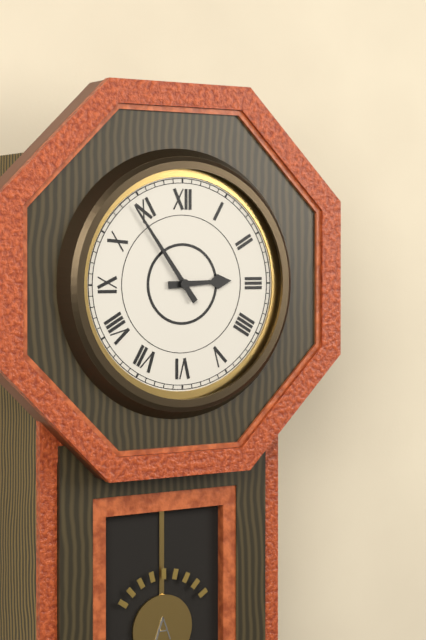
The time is 2h54
